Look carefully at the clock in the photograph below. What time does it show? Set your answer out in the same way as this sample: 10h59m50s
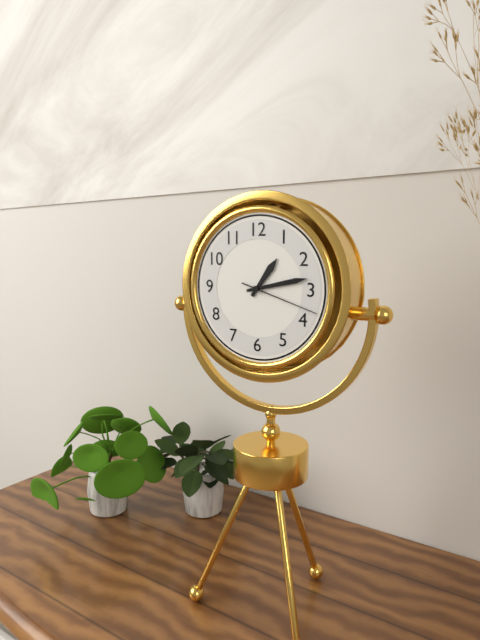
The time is 1h13m18s
